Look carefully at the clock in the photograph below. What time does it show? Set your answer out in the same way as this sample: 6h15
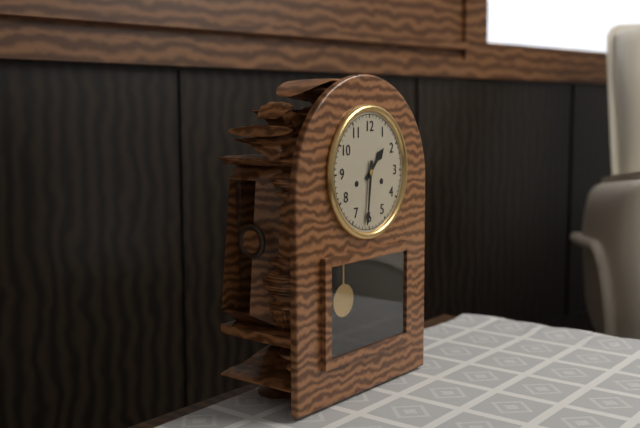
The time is 1h31
